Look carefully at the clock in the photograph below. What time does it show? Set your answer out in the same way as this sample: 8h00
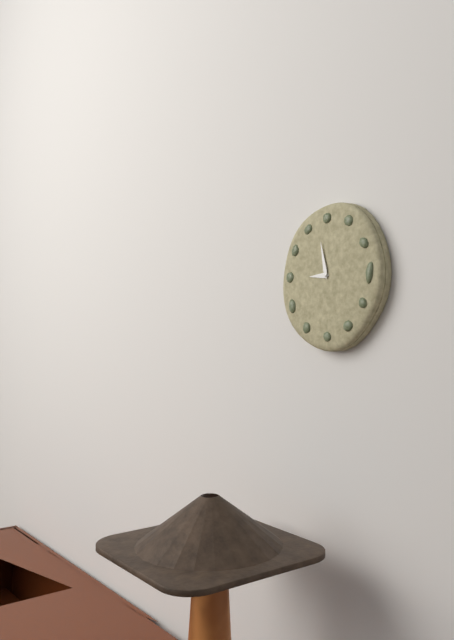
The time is 8h58
